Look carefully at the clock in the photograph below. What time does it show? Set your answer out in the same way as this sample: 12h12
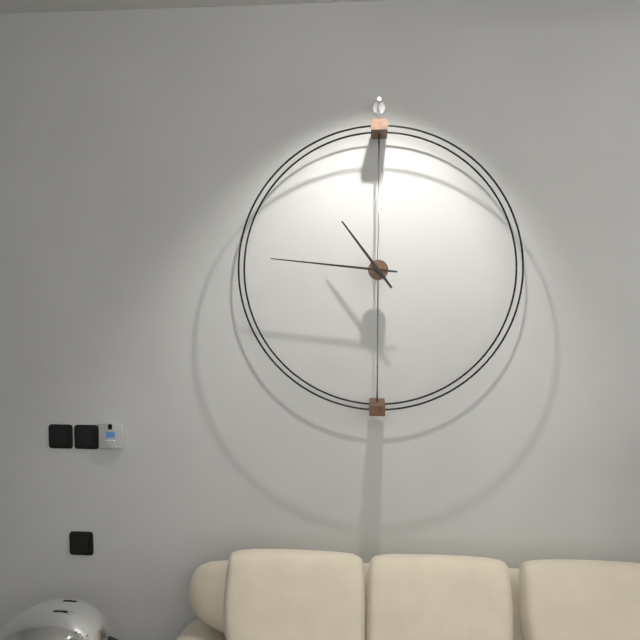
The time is 10h46
